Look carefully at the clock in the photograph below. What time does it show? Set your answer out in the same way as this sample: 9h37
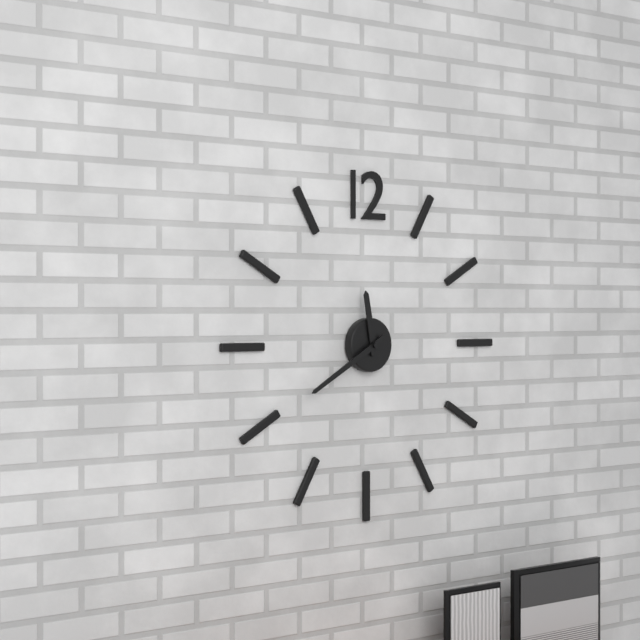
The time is 11h40
